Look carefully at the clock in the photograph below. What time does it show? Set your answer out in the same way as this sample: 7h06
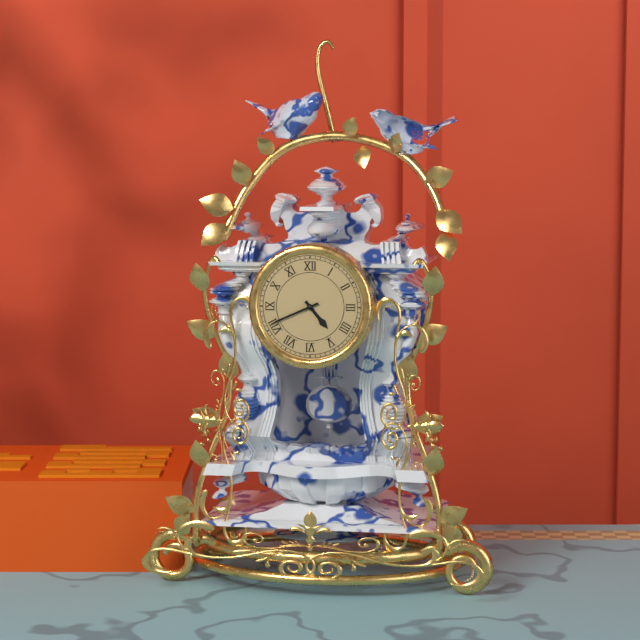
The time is 4h41
